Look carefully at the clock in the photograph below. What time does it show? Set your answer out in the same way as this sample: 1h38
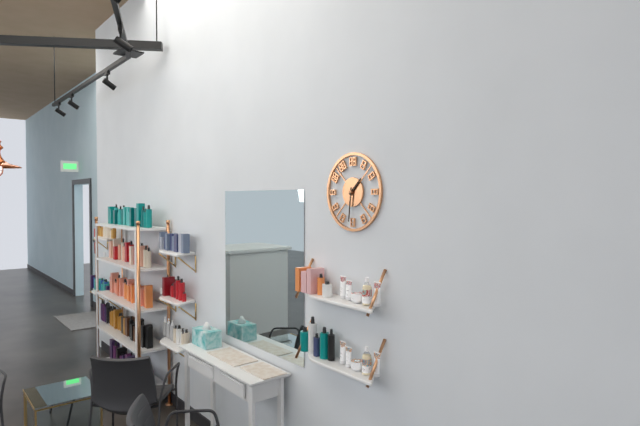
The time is 1h31
